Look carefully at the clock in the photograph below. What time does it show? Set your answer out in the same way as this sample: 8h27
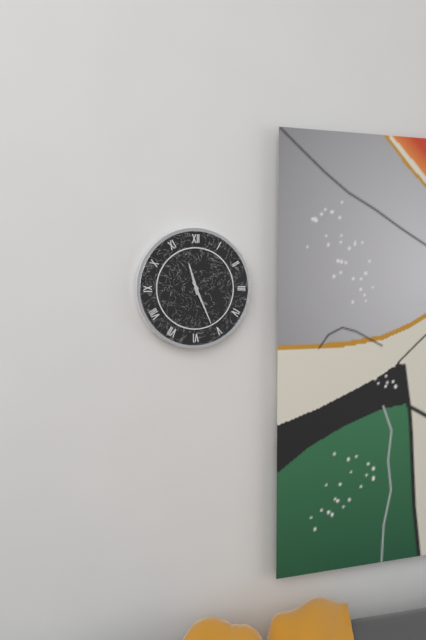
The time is 11h26
